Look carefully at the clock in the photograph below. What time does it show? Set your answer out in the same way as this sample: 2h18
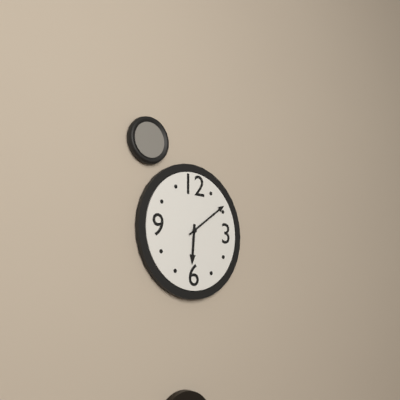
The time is 6h09
